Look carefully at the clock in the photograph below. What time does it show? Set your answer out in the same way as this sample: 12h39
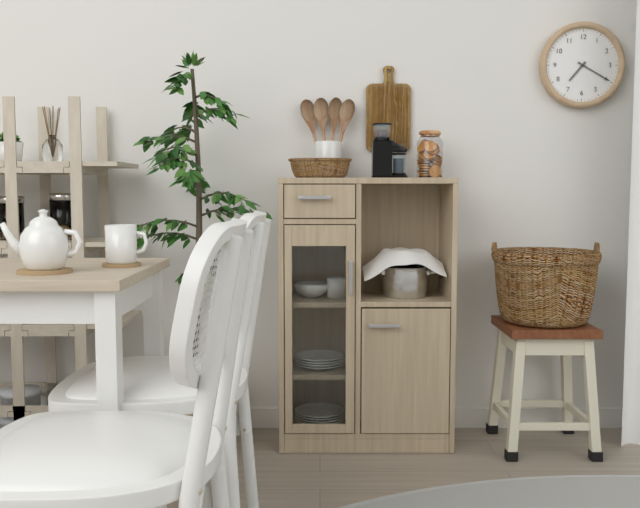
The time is 7h20
